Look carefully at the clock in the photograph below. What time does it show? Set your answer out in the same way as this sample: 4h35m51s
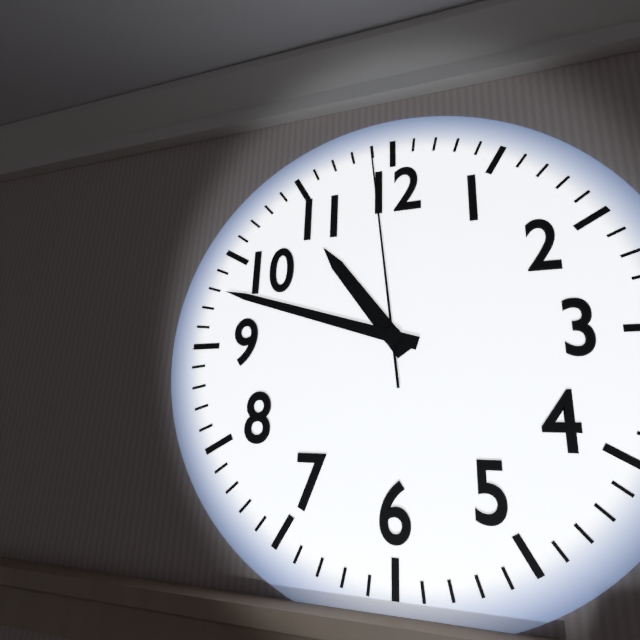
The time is 10h48m59s
